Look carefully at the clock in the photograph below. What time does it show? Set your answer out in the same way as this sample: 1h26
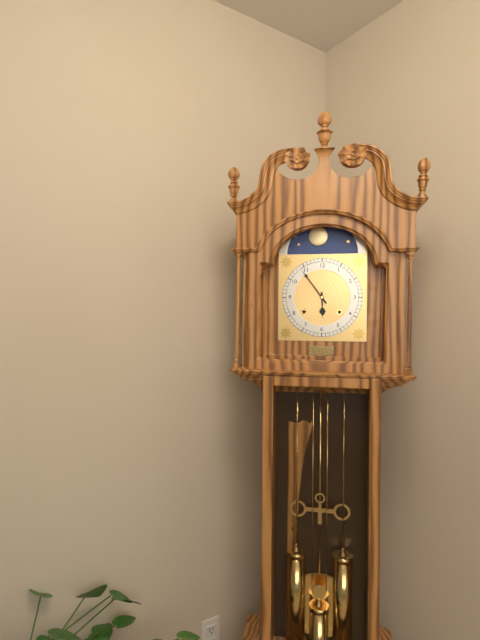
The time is 5h54
